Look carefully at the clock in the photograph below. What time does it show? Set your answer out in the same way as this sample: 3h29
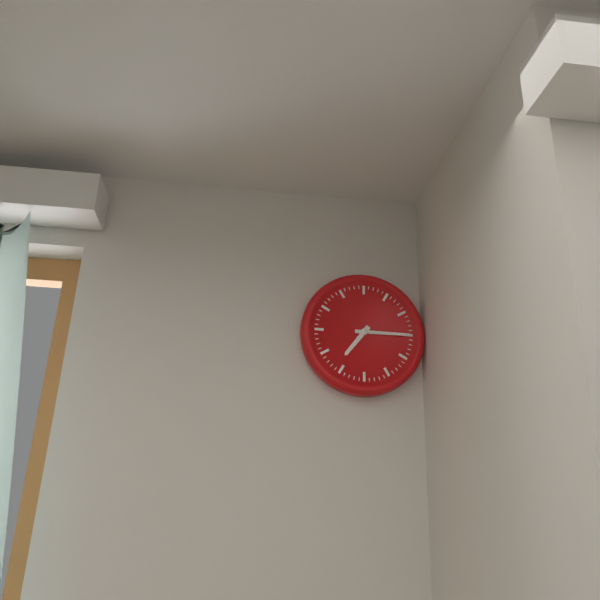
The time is 7h15
